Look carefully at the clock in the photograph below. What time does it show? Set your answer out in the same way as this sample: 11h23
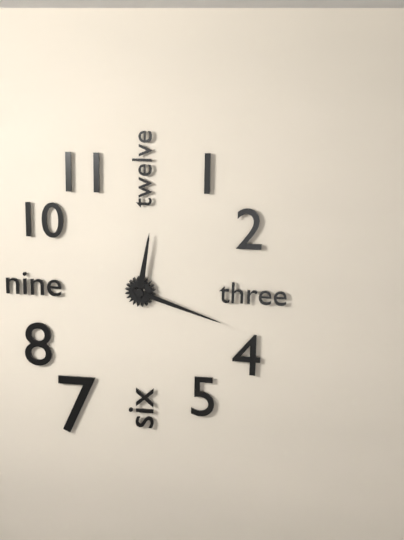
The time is 12h18
